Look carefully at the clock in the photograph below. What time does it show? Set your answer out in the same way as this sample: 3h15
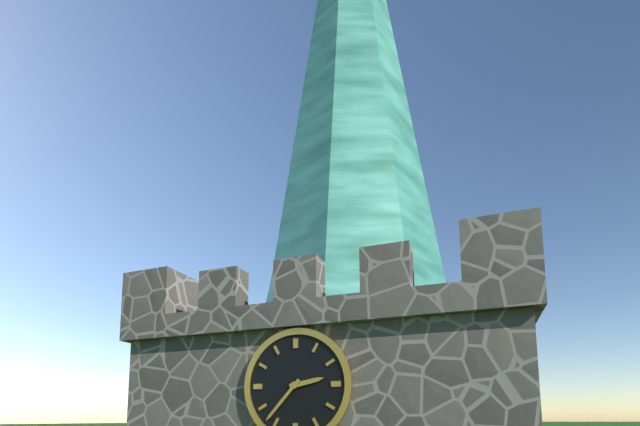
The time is 2h37
